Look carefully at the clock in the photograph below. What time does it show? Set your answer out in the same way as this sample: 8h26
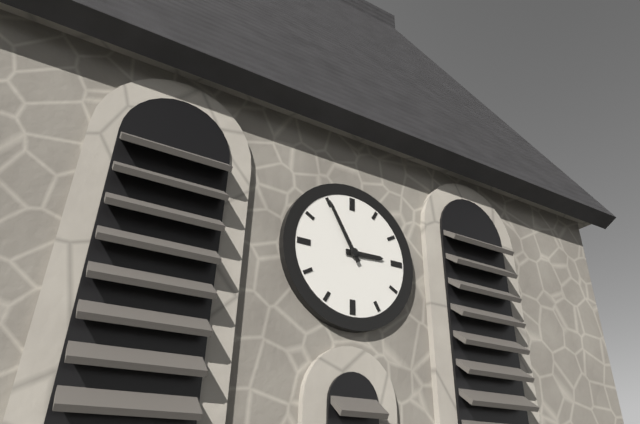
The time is 2h55
